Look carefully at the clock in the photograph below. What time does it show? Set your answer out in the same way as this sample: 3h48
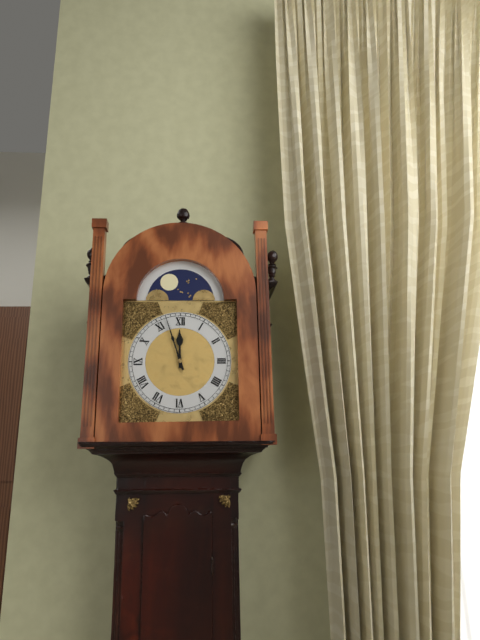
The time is 11h57
